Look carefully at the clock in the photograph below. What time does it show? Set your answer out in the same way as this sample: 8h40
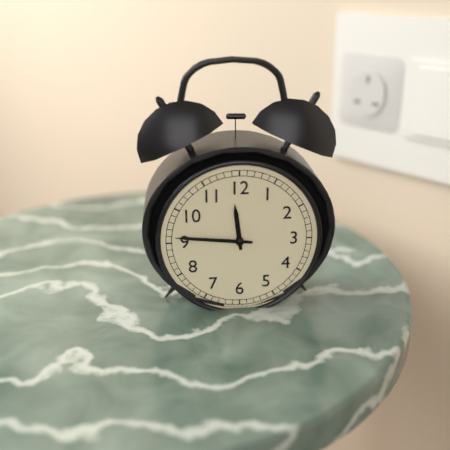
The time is 11h46
